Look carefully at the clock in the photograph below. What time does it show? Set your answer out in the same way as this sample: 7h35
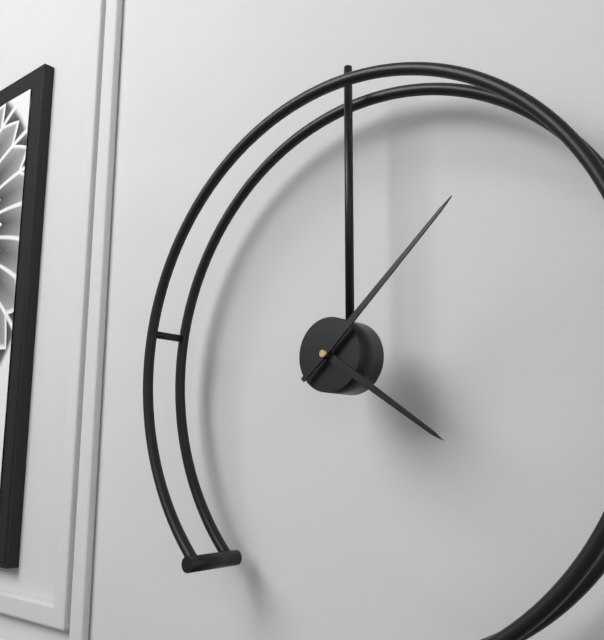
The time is 4h08
